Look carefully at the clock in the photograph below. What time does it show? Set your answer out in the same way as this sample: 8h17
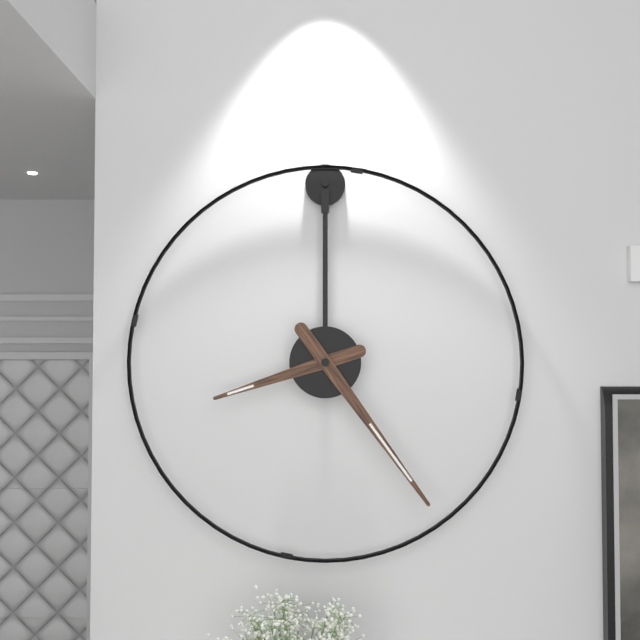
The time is 8h24
